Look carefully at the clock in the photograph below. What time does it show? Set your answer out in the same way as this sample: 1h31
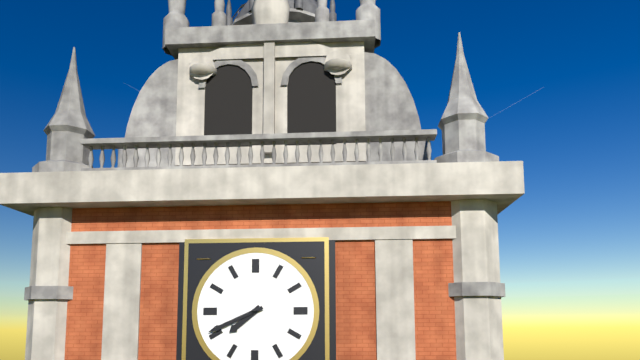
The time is 7h41
